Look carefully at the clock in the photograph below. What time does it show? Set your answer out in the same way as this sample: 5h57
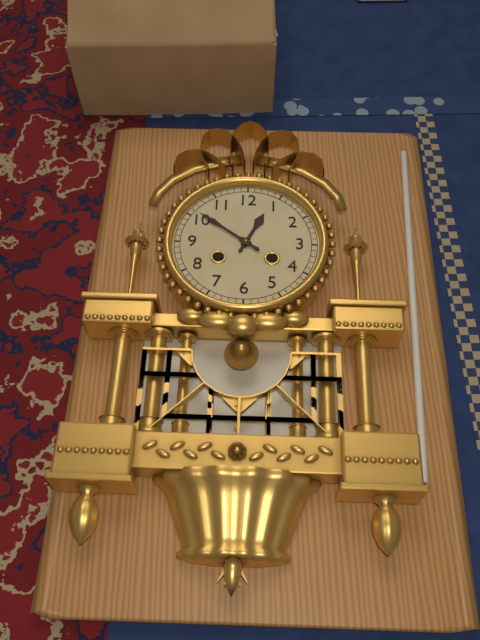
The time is 12h51
